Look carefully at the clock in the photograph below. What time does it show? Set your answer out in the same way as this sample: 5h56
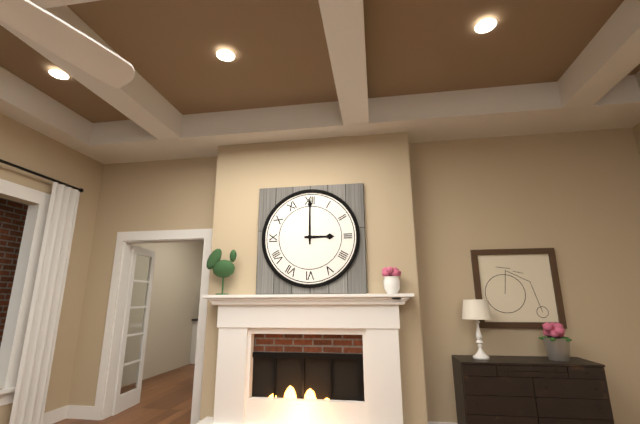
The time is 3h00
